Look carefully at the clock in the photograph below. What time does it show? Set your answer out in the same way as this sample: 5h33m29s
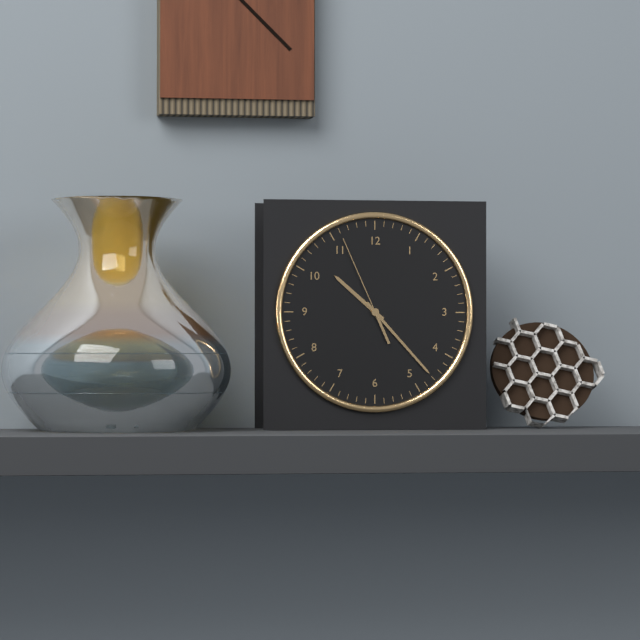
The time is 10h23m56s
